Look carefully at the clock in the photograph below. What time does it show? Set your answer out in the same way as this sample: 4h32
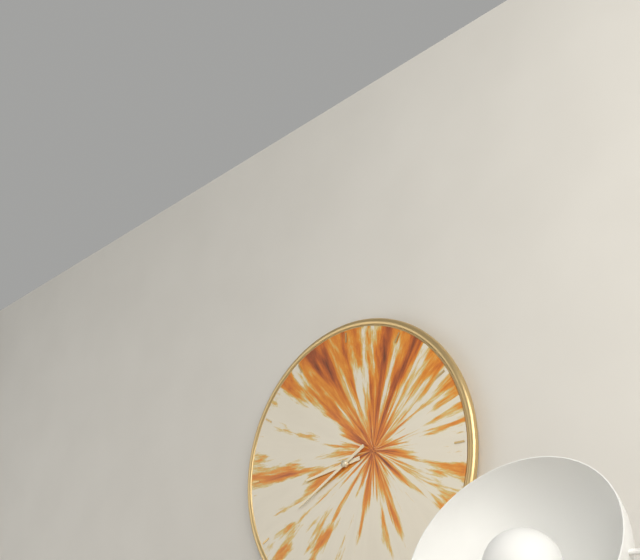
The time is 8h40
